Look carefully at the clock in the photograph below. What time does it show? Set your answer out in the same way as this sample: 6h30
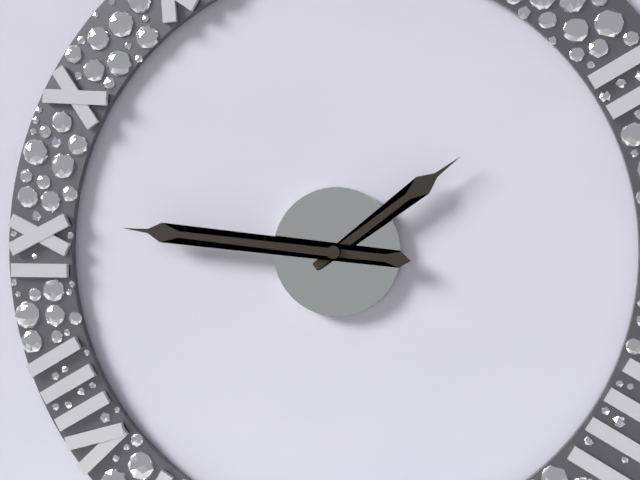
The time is 1h46
